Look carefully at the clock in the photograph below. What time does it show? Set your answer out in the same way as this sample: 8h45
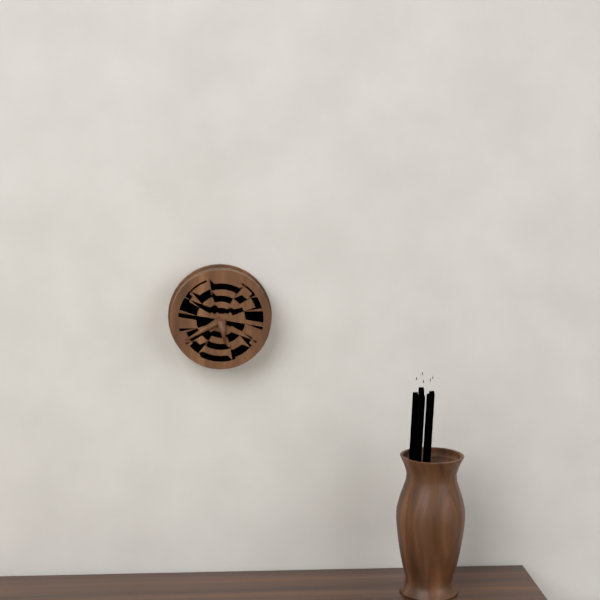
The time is 5h40
